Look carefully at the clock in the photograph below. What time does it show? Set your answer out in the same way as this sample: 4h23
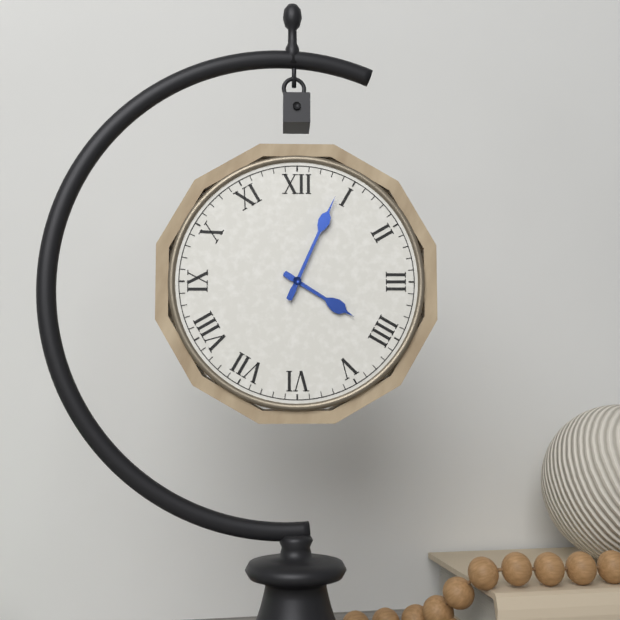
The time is 4h04
